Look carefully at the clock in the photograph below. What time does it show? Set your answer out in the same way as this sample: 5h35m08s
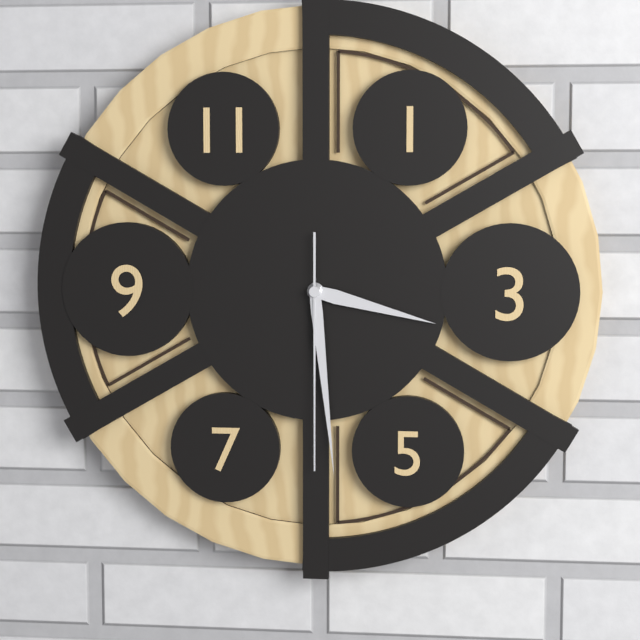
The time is 3h29m30s
